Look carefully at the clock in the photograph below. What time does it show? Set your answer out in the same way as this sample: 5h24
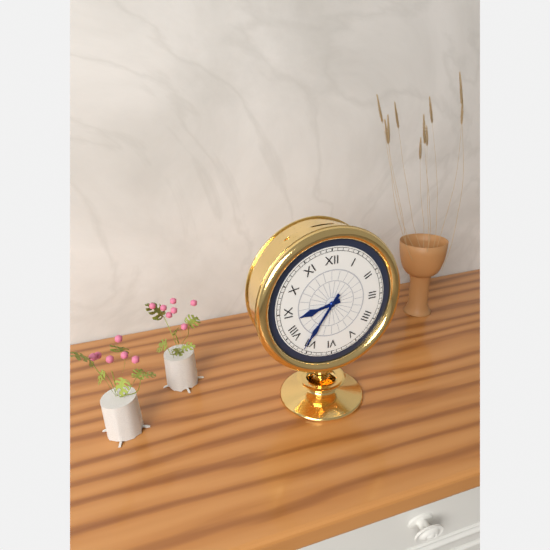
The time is 8h36
